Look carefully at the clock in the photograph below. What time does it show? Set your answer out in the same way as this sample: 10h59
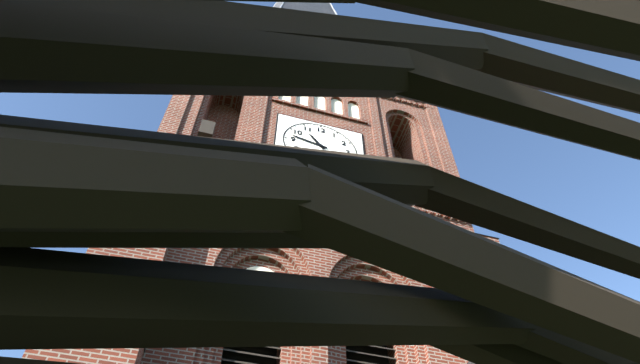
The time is 10h47
